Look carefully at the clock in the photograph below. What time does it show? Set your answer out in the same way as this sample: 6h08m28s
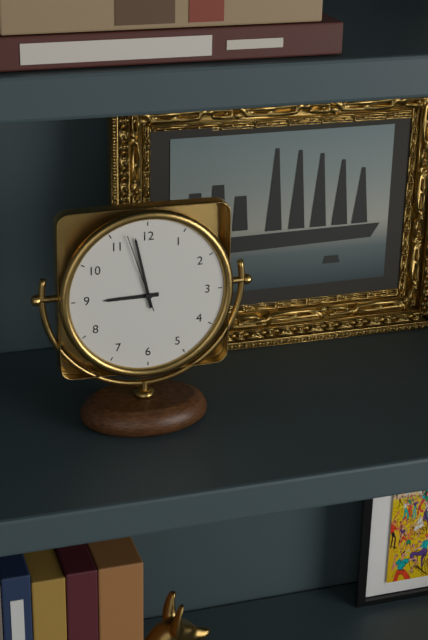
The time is 8h58m57s
